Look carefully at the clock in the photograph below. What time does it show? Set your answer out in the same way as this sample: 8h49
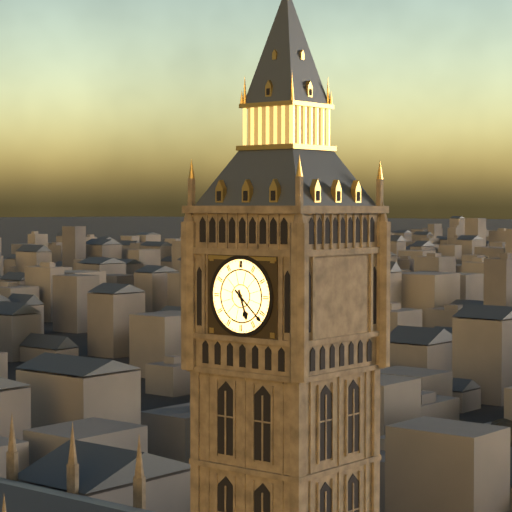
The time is 5h22
